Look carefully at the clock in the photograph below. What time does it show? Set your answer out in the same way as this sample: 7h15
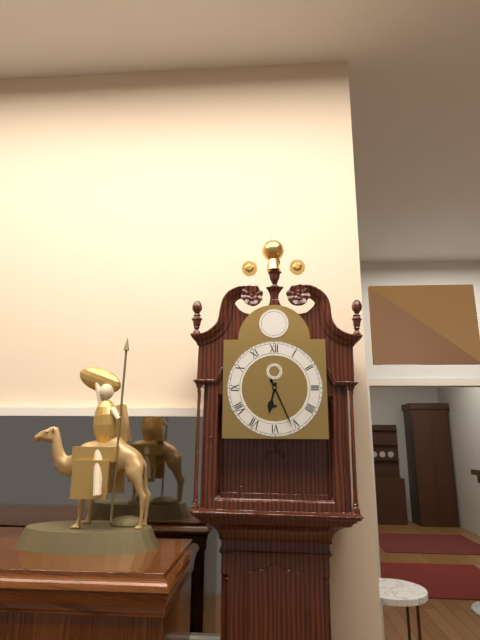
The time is 6h26
